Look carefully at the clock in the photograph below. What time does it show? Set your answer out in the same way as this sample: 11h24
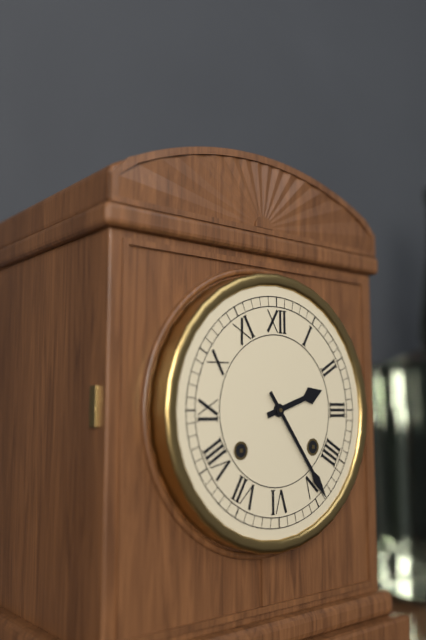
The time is 2h24
